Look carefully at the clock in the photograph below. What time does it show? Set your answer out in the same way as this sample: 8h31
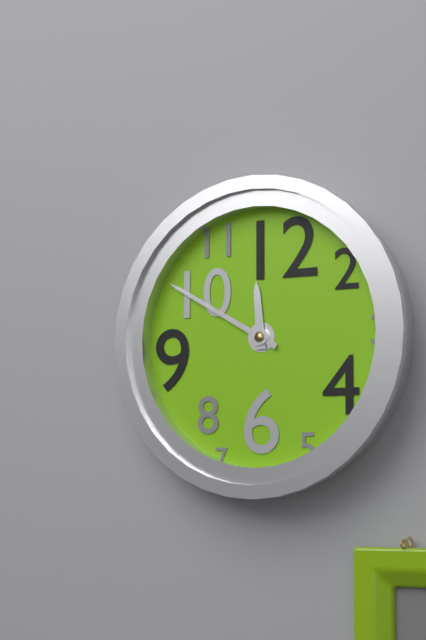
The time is 11h50
